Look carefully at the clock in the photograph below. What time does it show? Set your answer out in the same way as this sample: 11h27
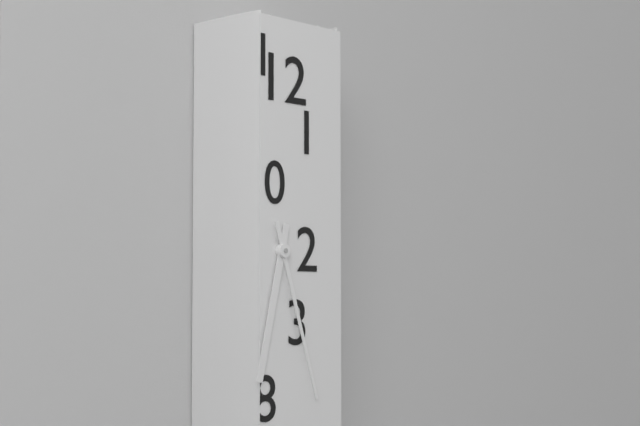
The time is 6h27
